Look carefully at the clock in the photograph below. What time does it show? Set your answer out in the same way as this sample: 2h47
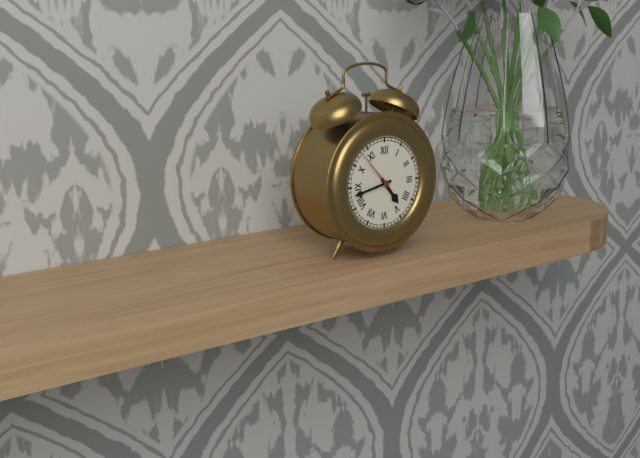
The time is 4h43
